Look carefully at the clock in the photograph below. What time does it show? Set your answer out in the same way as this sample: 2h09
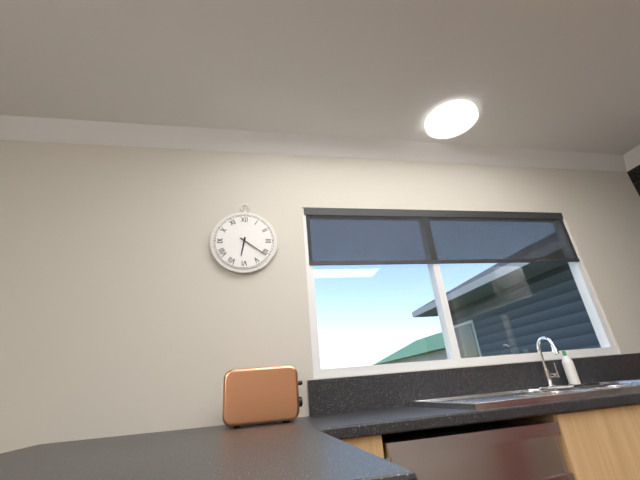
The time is 6h21
